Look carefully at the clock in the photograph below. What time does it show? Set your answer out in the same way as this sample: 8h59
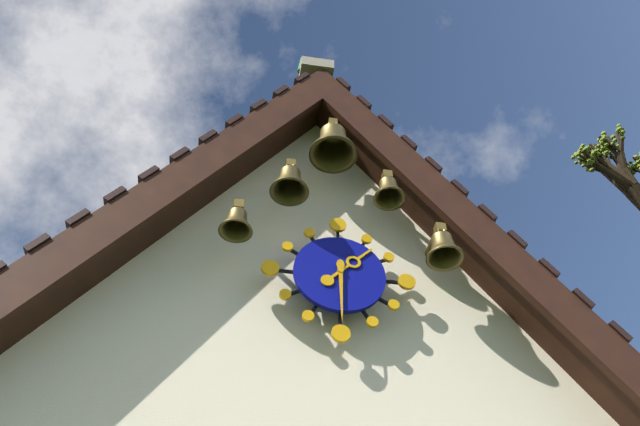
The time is 1h30
